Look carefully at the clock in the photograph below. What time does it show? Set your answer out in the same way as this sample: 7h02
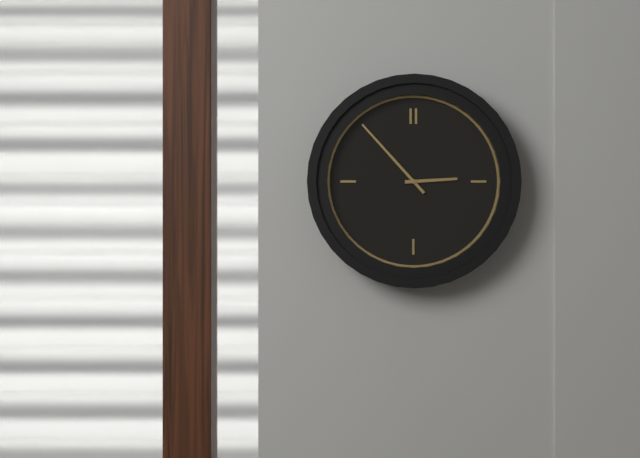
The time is 2h53
